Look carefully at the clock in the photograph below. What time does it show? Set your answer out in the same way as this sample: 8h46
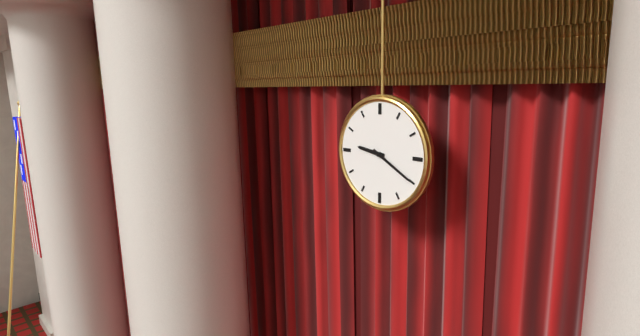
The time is 9h20
